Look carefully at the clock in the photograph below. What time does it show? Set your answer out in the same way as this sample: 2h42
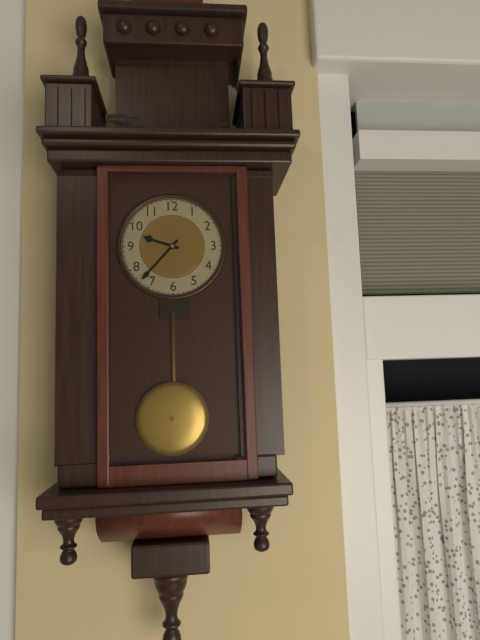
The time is 9h37
